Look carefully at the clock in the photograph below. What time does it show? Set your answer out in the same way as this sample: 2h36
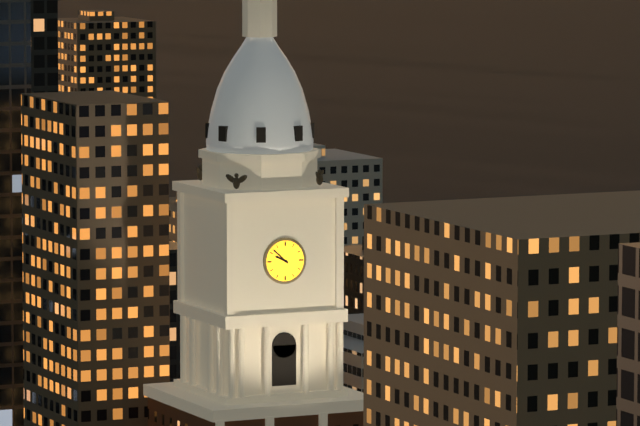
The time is 9h52
